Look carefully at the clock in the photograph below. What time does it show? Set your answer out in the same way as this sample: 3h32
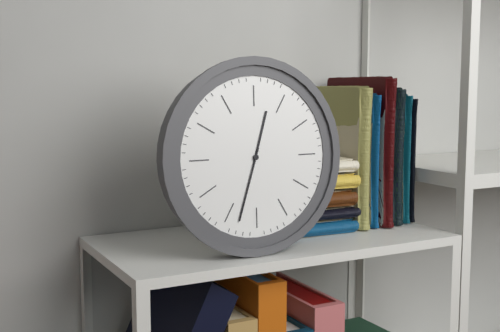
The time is 12h33
